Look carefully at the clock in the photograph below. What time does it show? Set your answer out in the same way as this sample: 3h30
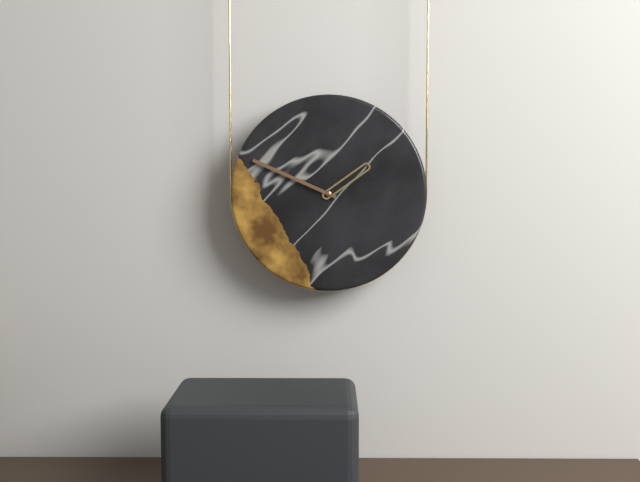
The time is 1h49
